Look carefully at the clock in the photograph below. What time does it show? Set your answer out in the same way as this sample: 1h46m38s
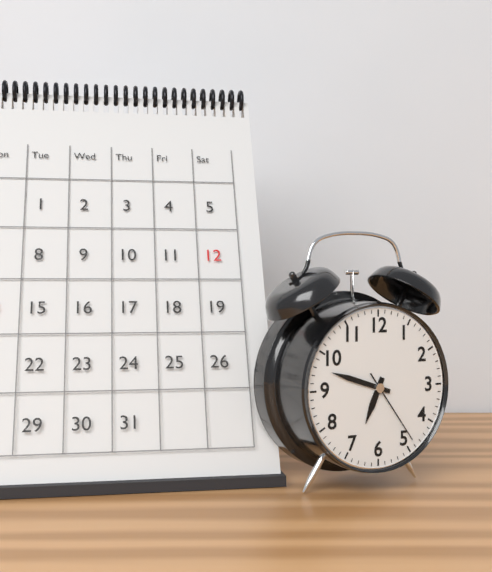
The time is 6h48m24s
